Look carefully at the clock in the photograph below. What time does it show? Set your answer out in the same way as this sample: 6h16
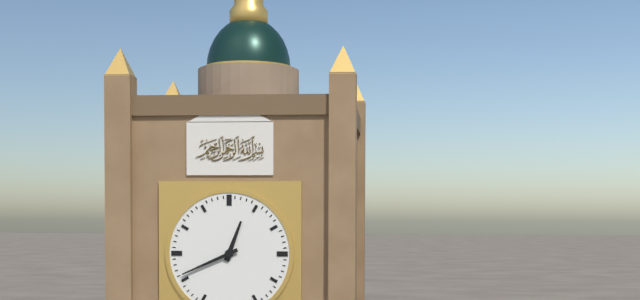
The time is 12h41
